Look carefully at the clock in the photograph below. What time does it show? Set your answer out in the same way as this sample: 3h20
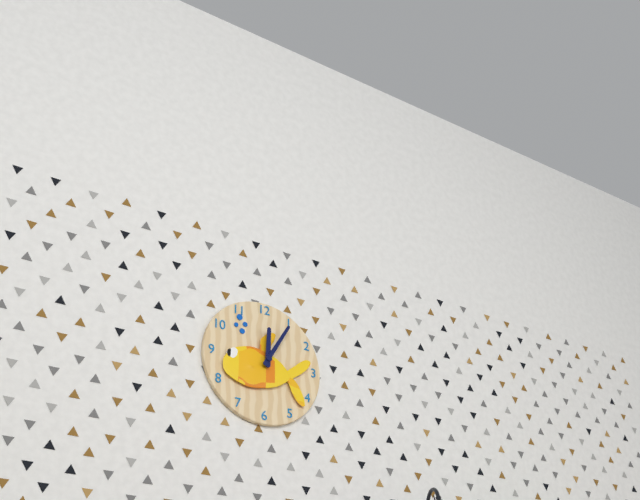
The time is 12h05
